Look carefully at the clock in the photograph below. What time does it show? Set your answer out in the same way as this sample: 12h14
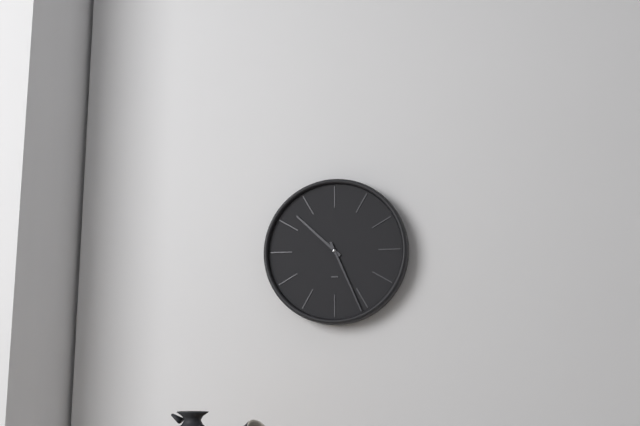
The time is 10h26
